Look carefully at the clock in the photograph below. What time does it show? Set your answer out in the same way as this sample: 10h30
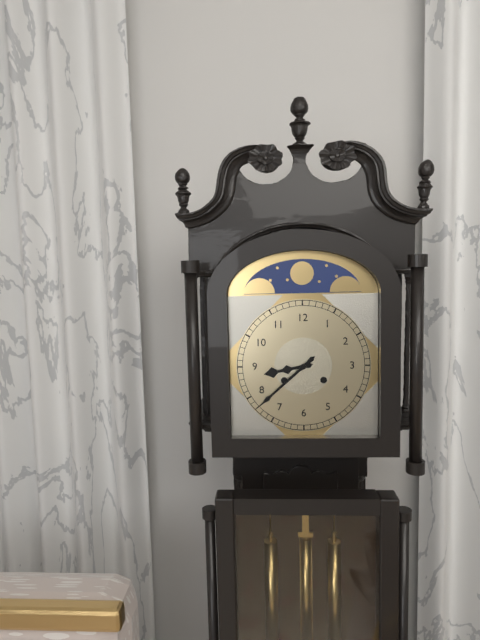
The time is 8h38
